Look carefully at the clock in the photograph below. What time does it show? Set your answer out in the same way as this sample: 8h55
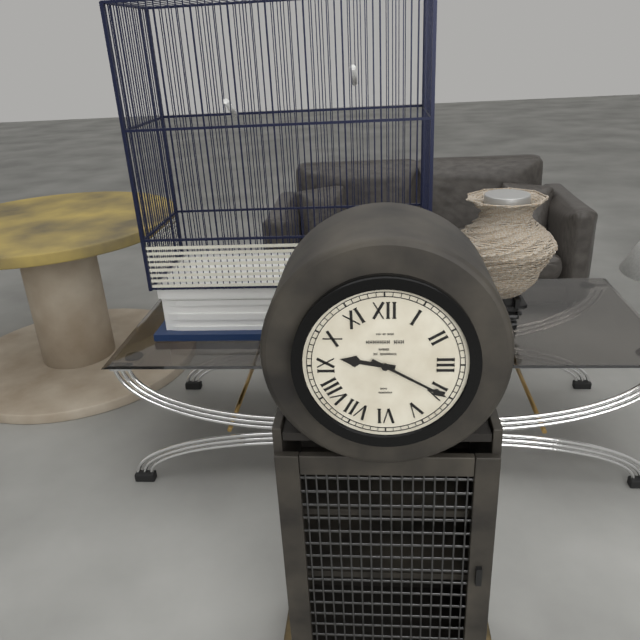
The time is 9h20
